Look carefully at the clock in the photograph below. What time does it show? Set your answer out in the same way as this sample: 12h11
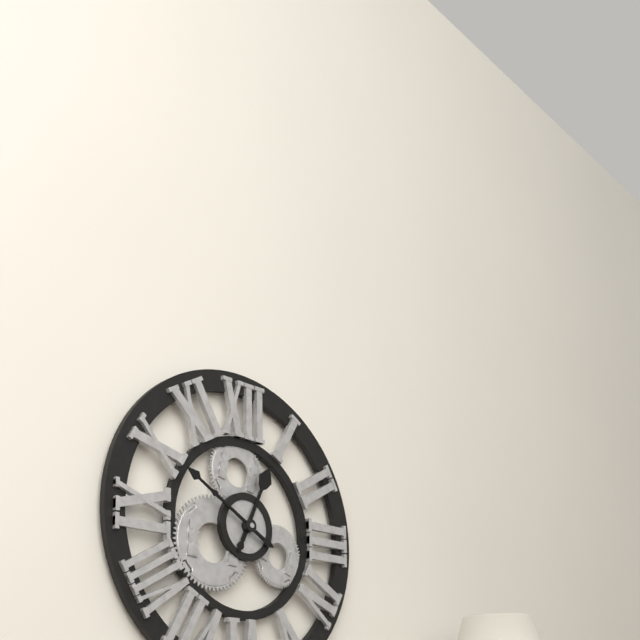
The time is 12h50
